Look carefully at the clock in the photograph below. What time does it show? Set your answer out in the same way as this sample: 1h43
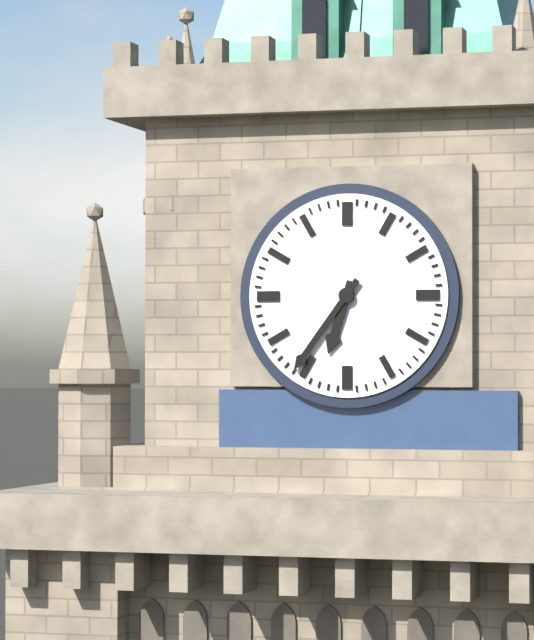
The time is 6h36
